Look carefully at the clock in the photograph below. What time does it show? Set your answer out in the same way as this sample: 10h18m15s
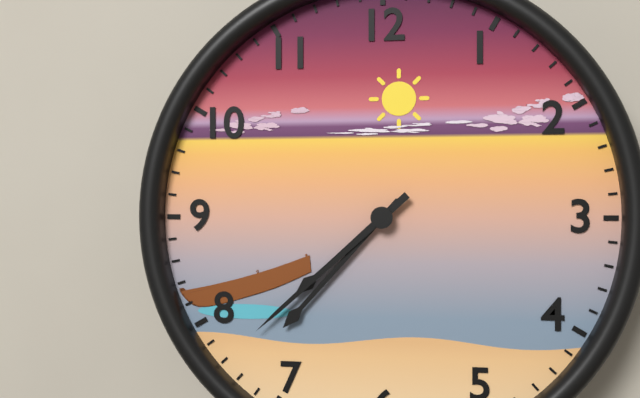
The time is 7h37m38s
